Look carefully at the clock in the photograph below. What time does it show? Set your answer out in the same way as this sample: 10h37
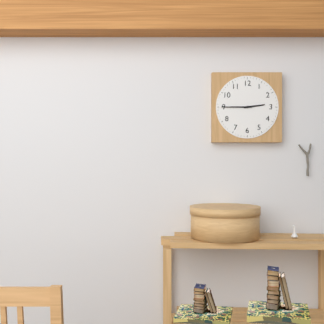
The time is 2h45
